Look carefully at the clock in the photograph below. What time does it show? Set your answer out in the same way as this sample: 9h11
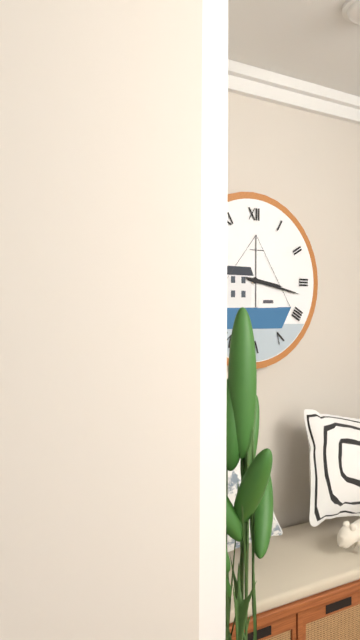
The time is 3h17
